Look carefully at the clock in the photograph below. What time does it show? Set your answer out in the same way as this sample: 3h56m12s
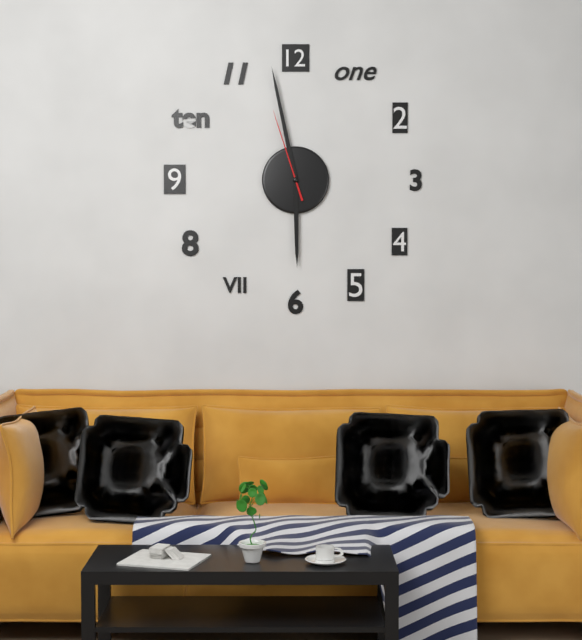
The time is 5h58m57s
